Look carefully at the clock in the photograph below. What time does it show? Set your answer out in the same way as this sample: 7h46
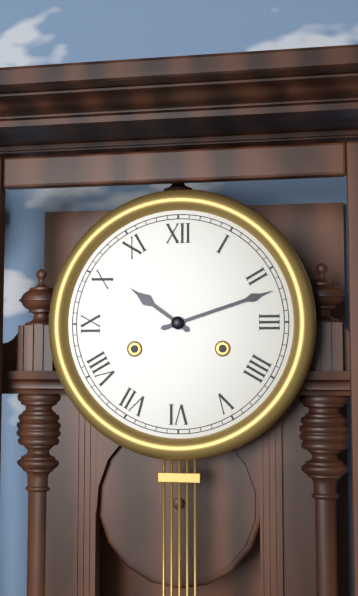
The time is 10h12
